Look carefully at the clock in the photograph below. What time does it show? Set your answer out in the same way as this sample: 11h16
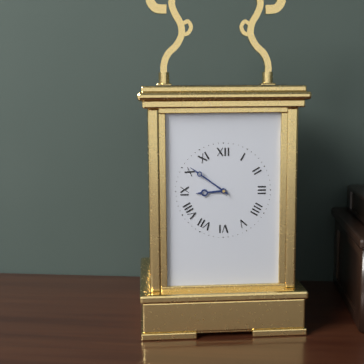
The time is 8h51
